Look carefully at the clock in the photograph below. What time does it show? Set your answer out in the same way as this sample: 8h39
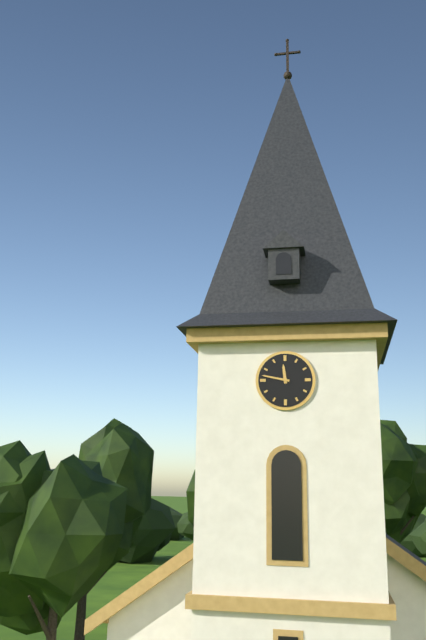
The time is 11h47
